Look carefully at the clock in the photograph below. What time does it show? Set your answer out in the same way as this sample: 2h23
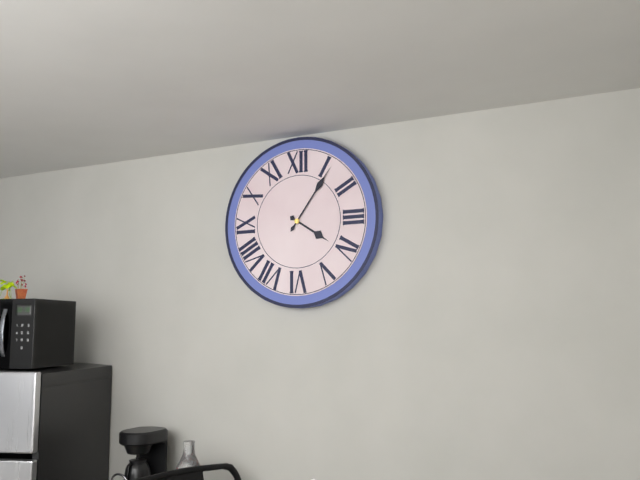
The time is 4h06
